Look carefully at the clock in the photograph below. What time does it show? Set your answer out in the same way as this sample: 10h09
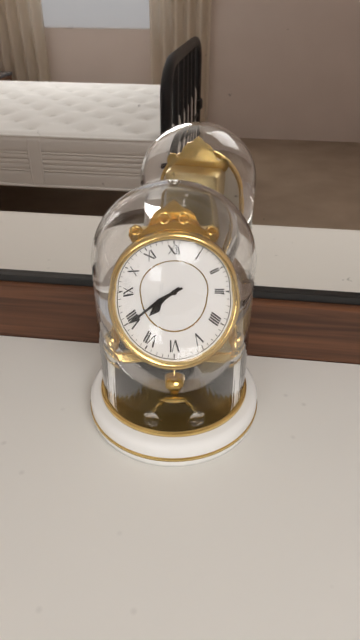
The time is 7h40
